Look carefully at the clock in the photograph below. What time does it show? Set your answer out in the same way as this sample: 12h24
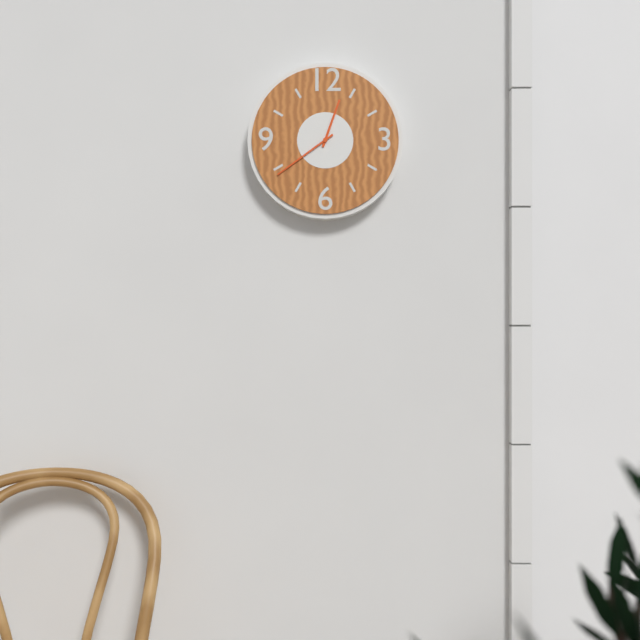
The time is 12h39
